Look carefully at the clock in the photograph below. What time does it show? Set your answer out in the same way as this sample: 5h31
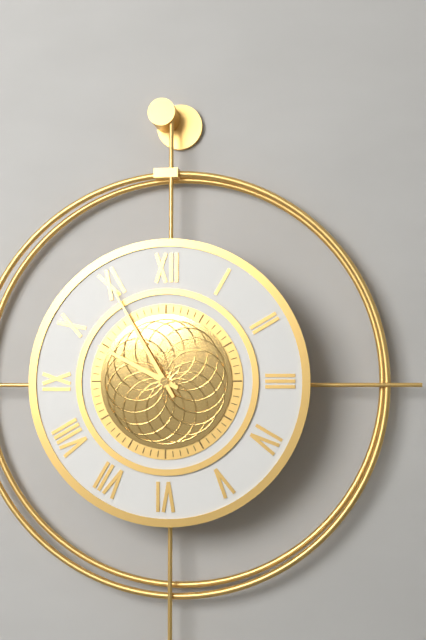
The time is 9h55
